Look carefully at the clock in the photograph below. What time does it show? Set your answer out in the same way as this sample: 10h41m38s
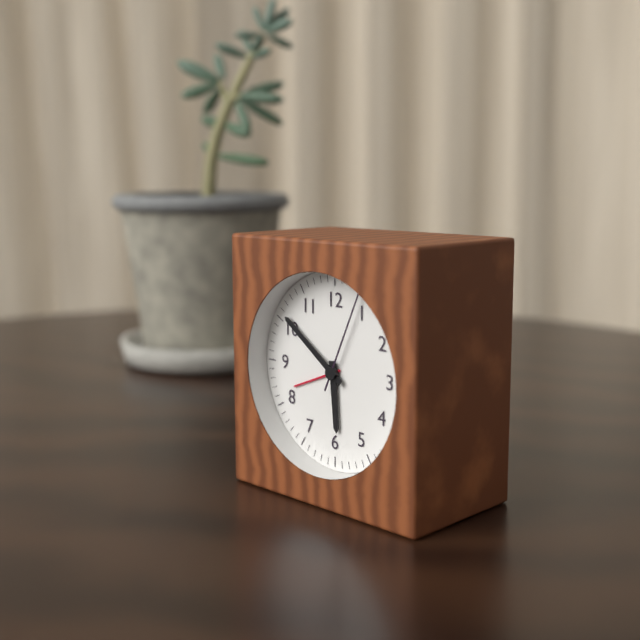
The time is 5h51m04s
